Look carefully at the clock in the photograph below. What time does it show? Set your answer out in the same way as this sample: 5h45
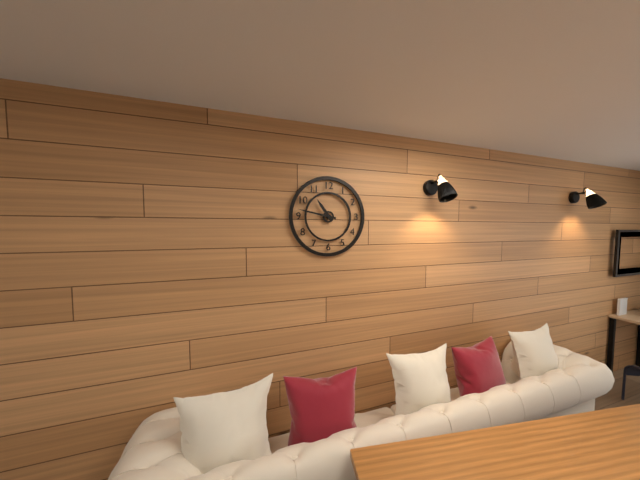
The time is 10h47
